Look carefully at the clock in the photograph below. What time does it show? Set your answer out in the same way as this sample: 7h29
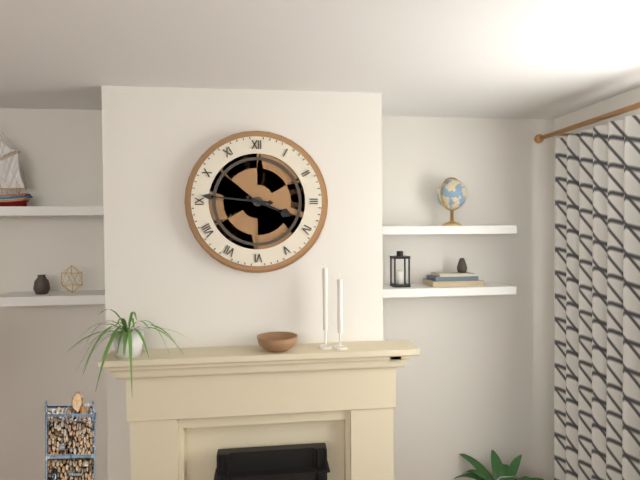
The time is 3h46
